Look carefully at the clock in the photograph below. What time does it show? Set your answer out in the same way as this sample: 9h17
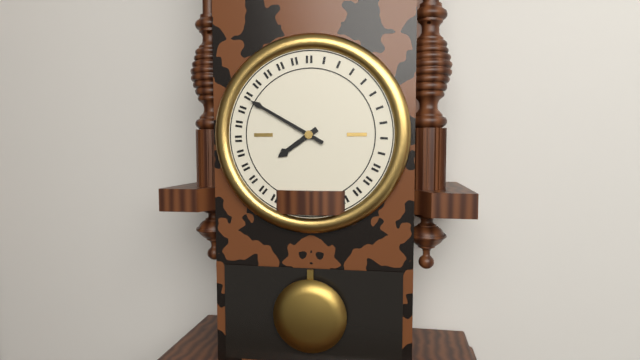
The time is 7h50
